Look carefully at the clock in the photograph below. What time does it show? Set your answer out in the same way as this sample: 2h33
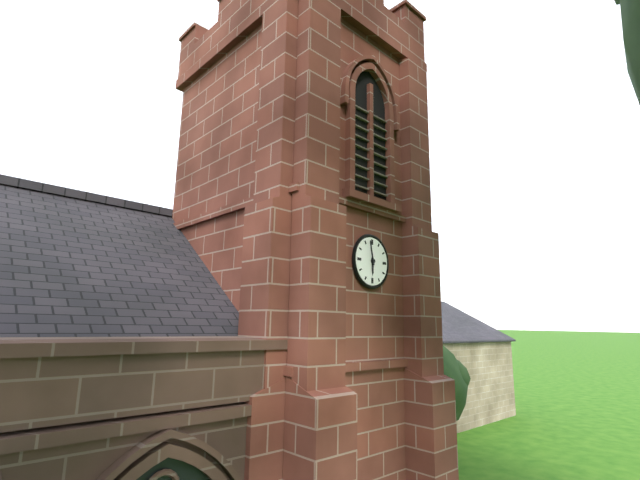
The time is 5h58
